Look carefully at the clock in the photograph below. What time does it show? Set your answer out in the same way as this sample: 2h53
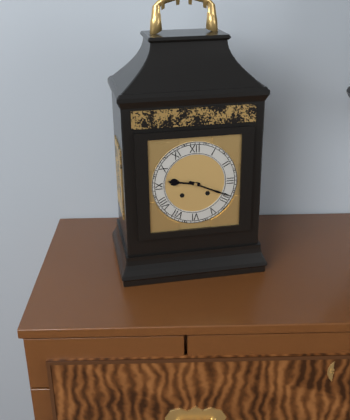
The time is 9h19
